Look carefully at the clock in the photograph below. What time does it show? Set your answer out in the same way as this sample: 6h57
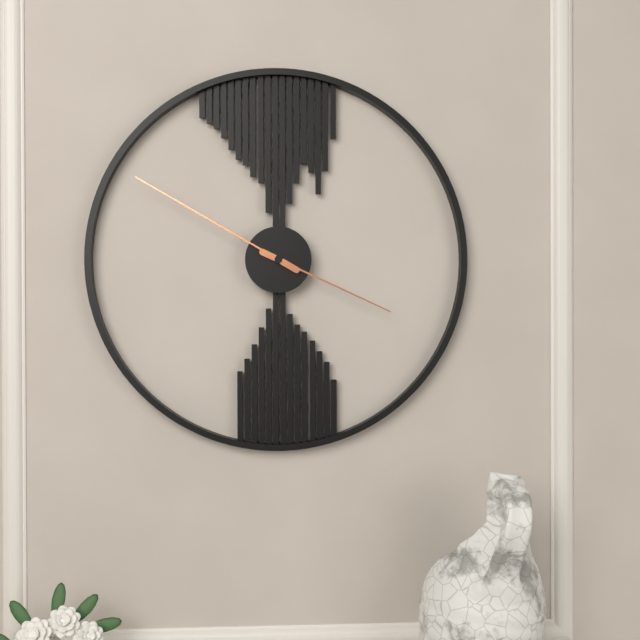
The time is 3h50
